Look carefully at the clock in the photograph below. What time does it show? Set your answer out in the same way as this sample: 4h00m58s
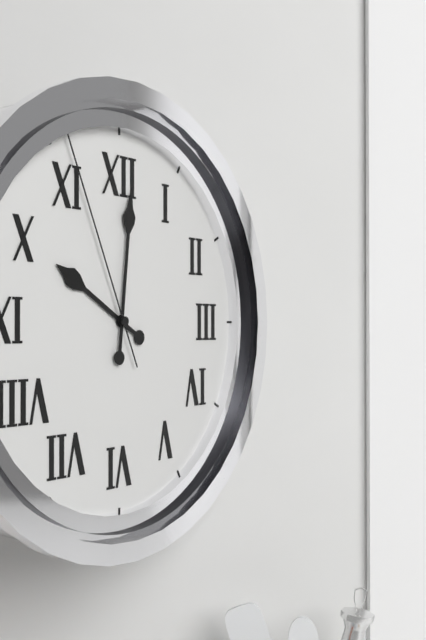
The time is 10h01m56s
